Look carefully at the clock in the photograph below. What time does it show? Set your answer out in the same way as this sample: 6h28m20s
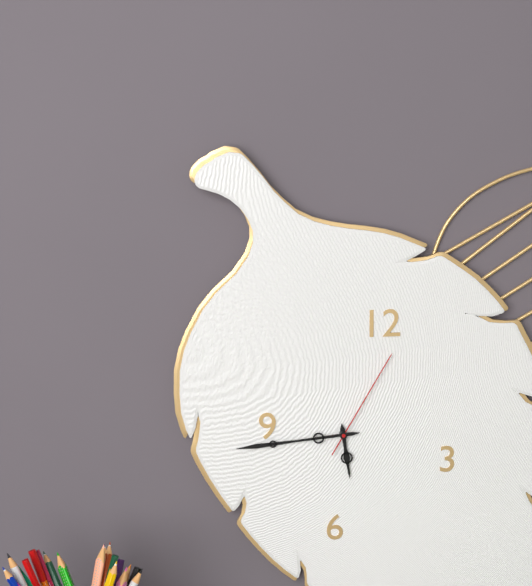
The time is 5h44m05s
